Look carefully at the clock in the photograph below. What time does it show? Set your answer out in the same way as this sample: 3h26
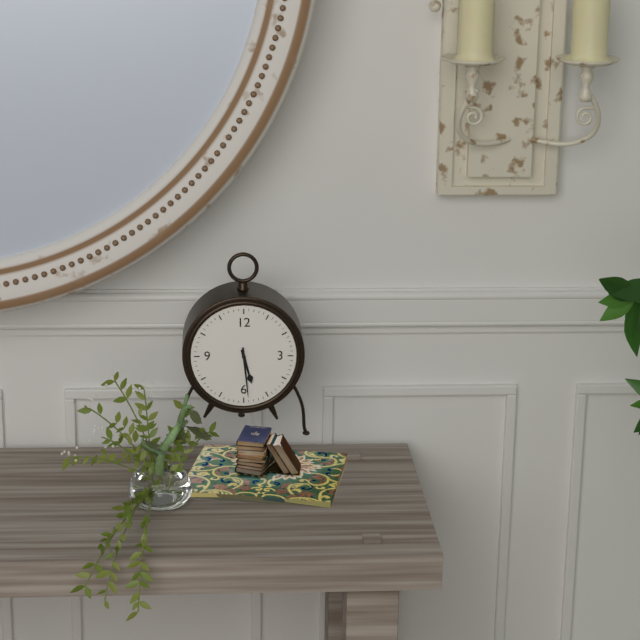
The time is 5h29
